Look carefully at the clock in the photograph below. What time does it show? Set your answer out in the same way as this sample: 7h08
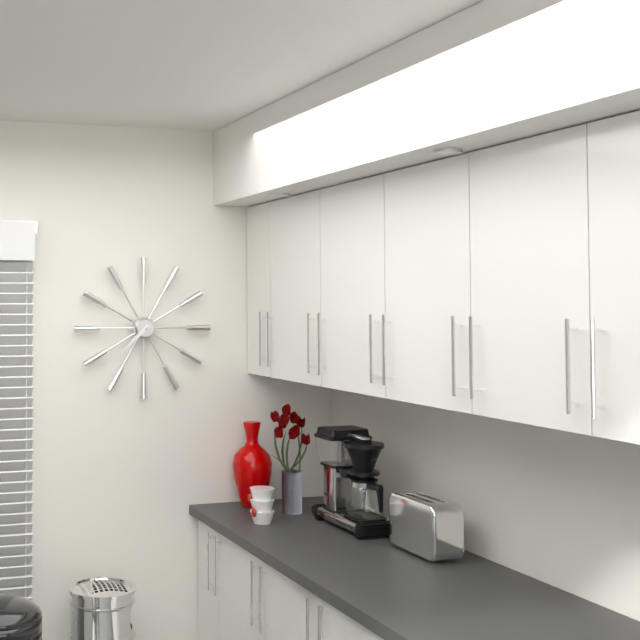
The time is 7h38
